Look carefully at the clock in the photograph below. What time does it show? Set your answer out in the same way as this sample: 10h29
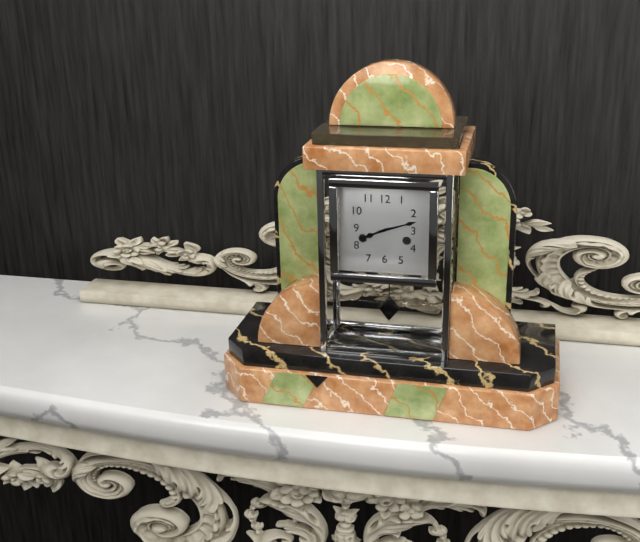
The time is 8h12
